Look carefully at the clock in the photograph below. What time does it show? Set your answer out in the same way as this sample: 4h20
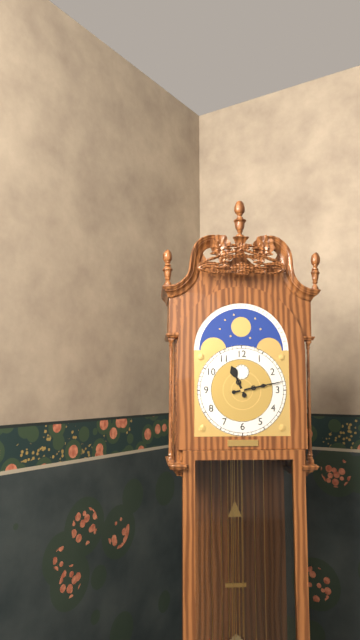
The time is 11h13
